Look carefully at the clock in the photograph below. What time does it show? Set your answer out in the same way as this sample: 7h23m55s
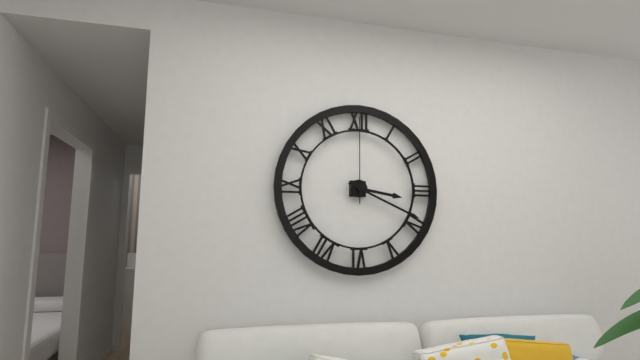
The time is 3h19m00s
